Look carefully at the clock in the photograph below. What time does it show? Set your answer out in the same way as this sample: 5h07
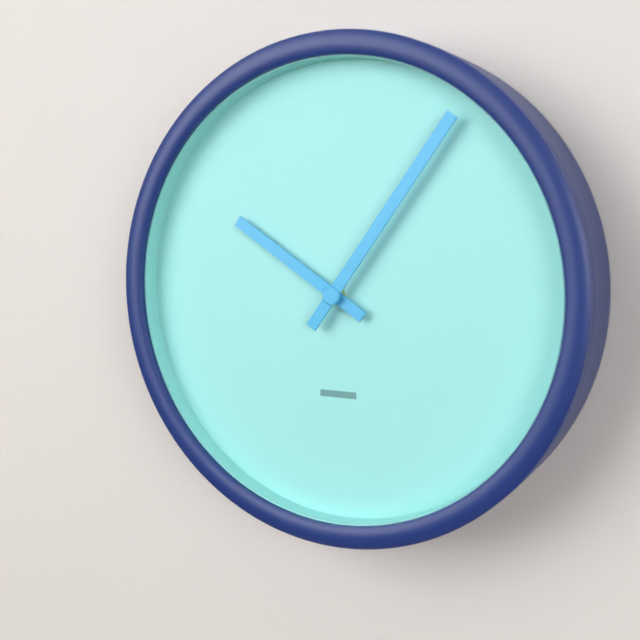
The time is 10h06
